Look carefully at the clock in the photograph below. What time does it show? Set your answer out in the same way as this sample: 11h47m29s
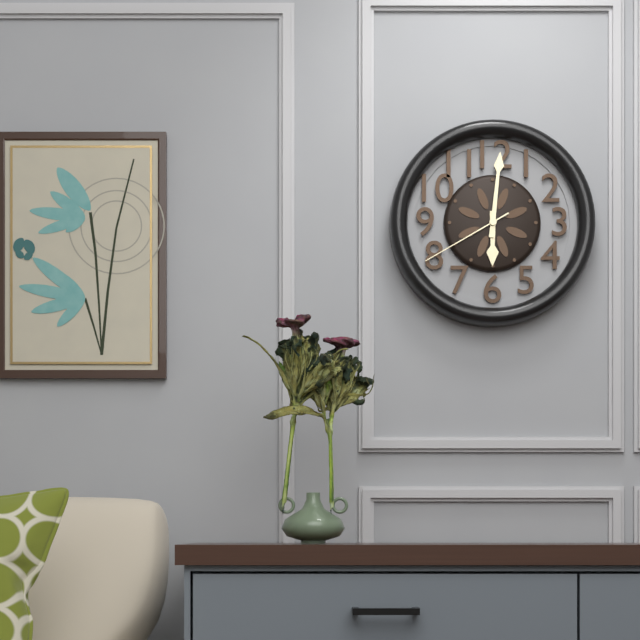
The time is 6h01m40s
